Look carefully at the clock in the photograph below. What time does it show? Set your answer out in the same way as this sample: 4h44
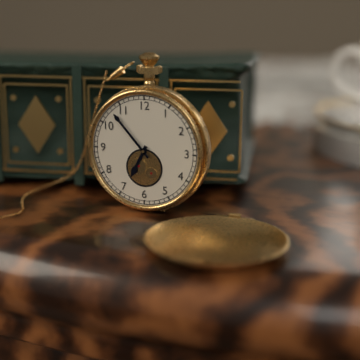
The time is 6h53
